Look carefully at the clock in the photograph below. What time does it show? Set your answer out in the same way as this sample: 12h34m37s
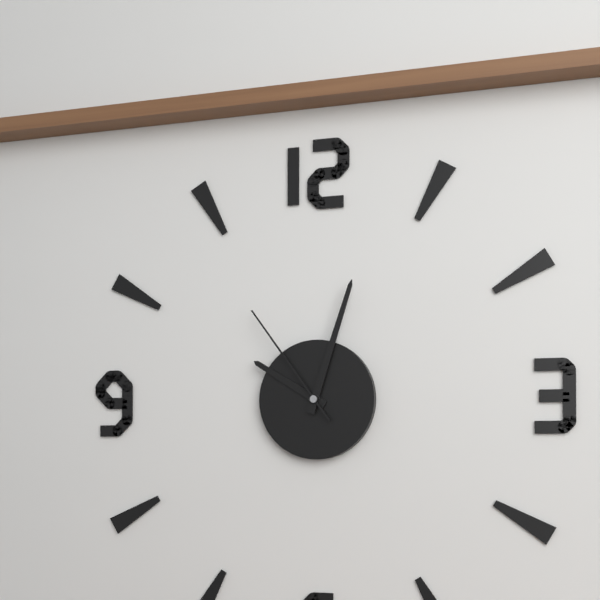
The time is 10h03m54s
